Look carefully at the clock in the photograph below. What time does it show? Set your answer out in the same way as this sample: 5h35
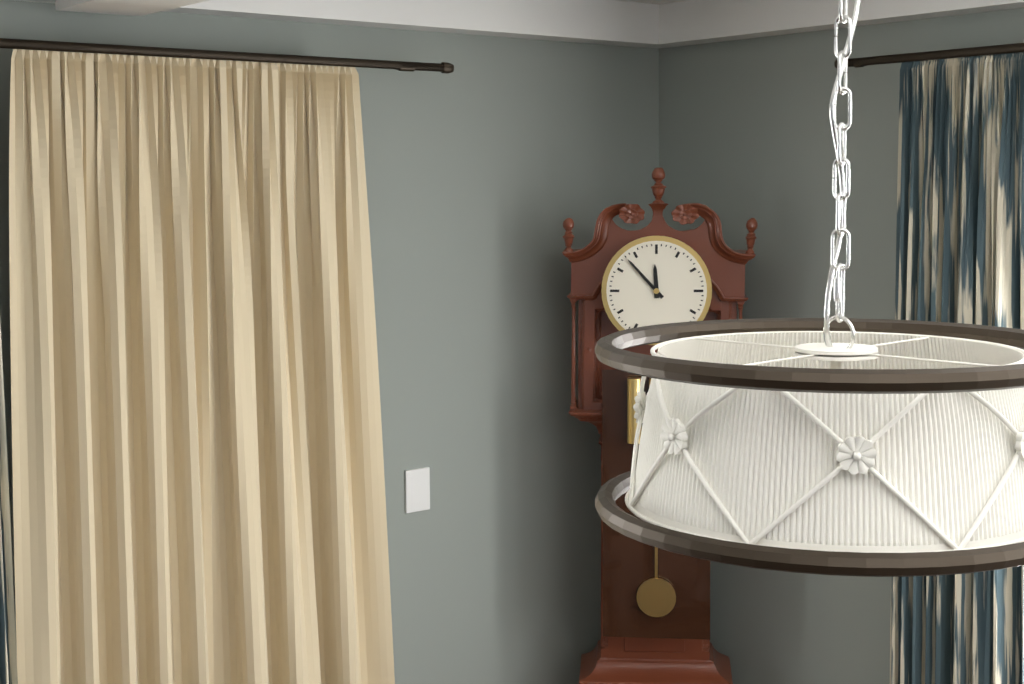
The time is 11h53
